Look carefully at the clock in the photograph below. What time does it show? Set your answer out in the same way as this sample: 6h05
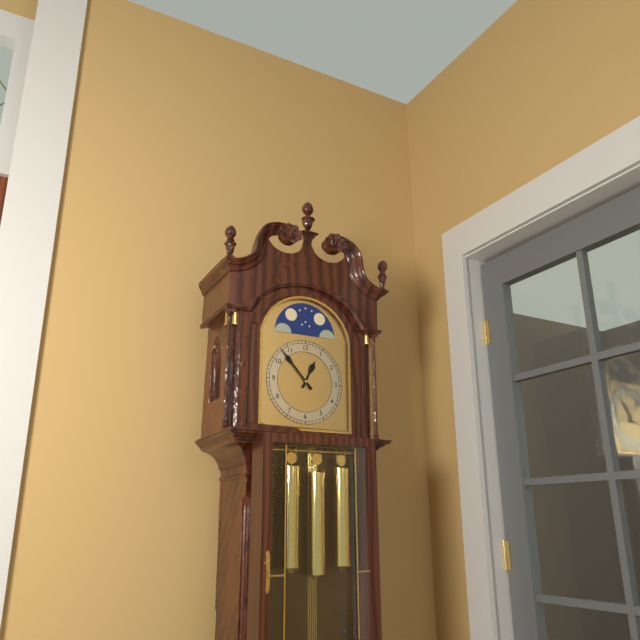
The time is 12h53
